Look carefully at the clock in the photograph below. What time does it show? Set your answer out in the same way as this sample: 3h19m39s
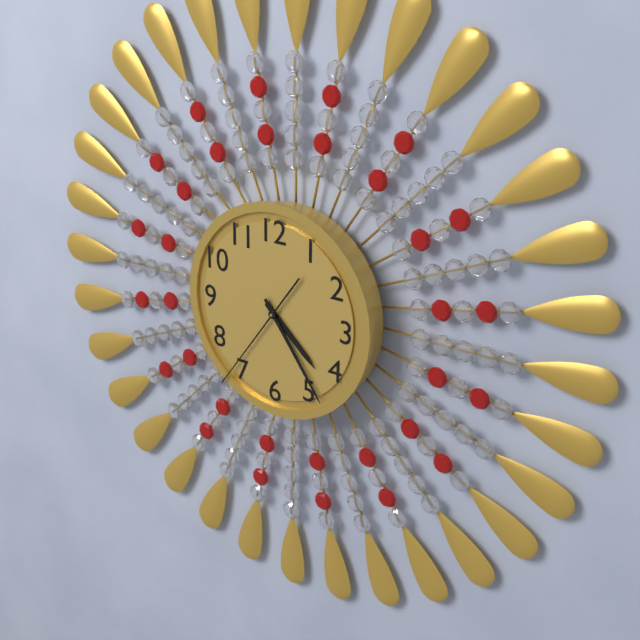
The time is 4h24m36s
